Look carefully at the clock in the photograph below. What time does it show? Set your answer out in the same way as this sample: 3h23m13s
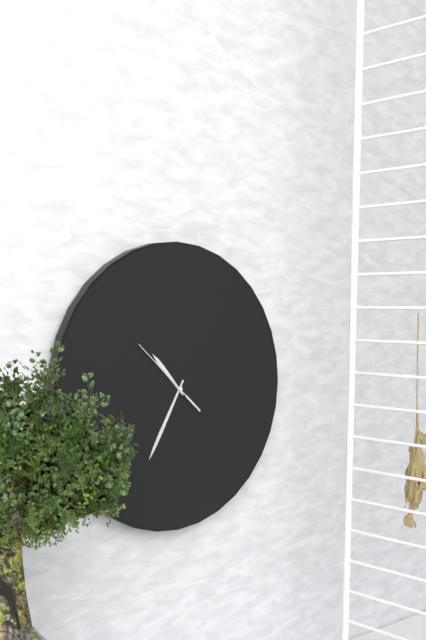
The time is 10h35m52s
